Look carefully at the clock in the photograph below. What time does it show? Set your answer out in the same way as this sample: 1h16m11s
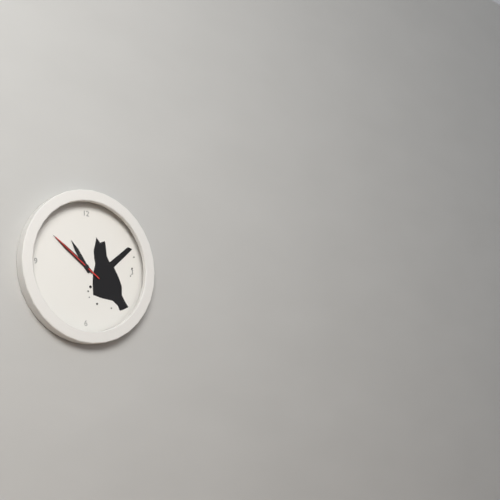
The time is 10h51m51s
